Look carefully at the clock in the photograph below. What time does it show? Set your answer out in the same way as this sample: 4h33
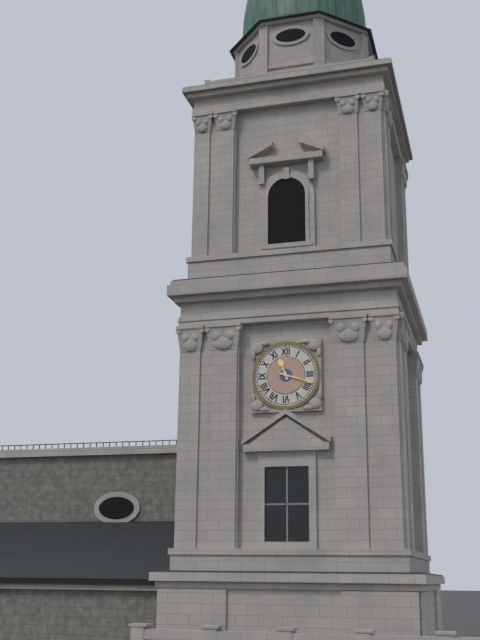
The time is 11h18
